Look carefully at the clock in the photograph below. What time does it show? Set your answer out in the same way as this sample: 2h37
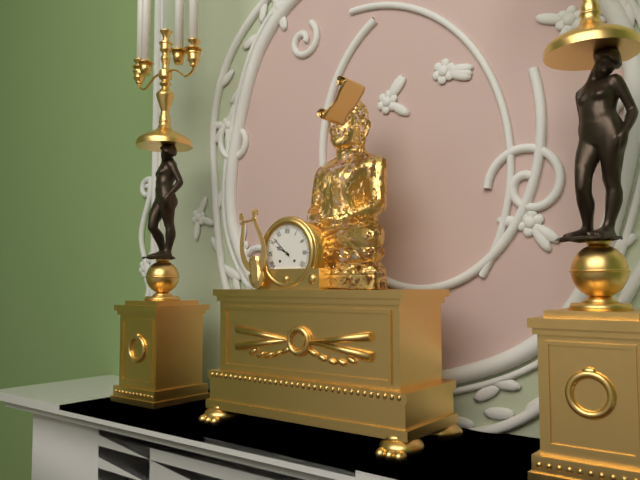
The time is 9h52
